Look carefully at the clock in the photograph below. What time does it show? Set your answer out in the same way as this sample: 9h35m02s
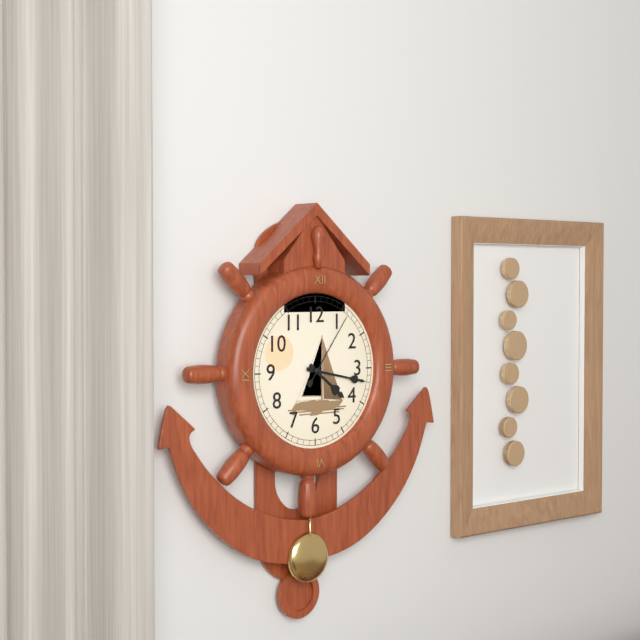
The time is 4h17m06s
